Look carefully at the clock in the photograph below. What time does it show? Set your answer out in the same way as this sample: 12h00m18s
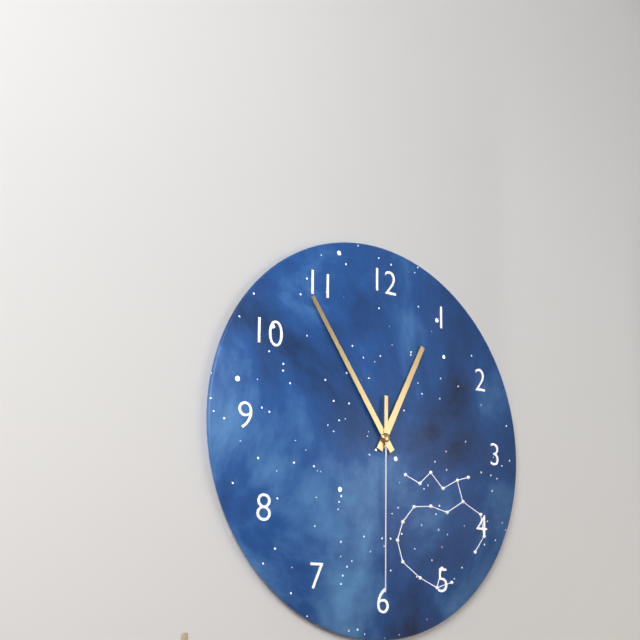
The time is 12h54m30s
